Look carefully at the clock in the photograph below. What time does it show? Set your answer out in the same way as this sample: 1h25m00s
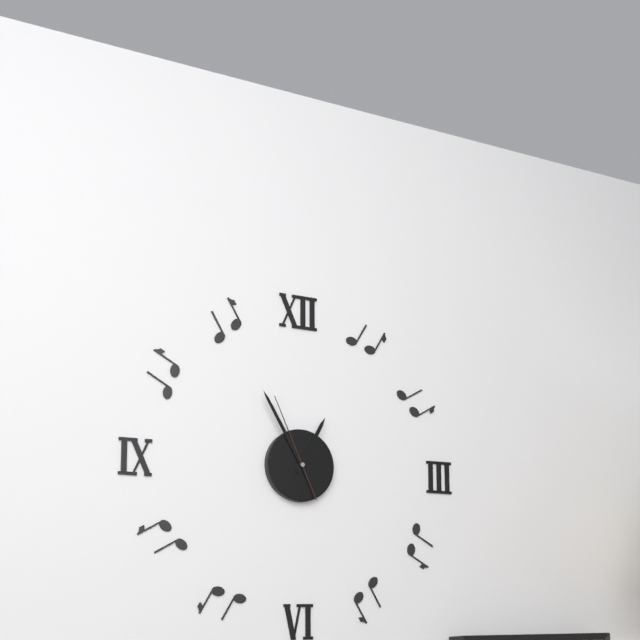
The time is 12h55m56s
